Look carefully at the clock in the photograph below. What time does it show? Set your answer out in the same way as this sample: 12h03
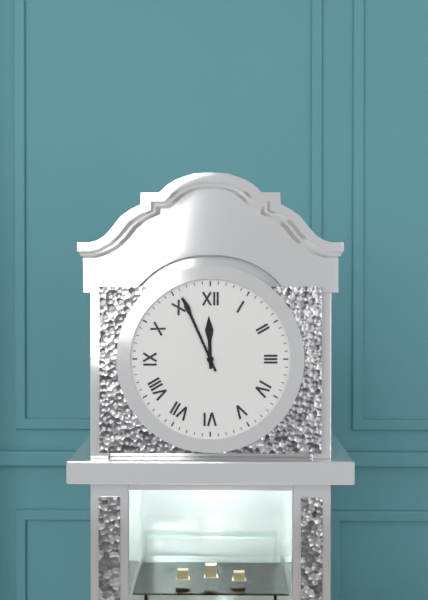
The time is 11h56
